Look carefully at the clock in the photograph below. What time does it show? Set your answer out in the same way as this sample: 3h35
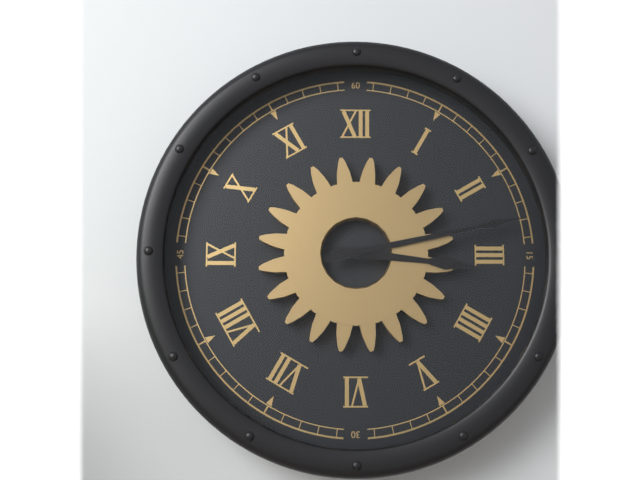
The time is 3h13
